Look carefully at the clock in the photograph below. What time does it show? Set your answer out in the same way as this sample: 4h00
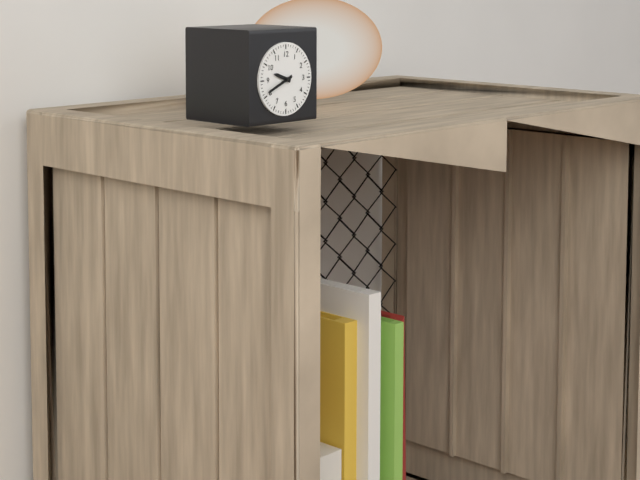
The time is 9h41
